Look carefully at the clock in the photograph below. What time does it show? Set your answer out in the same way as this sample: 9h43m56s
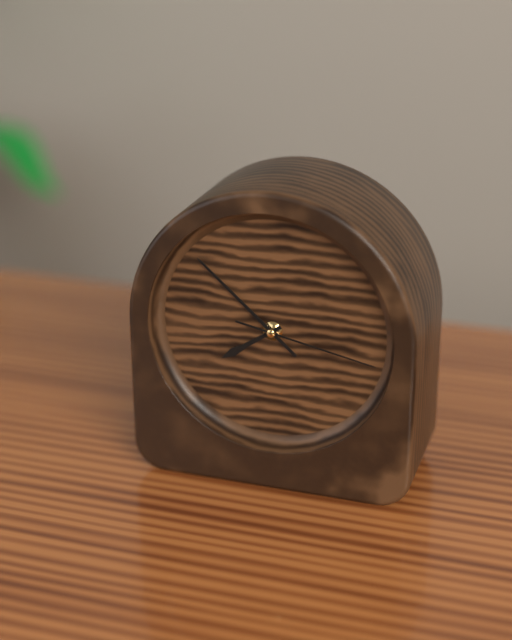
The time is 7h52m17s
